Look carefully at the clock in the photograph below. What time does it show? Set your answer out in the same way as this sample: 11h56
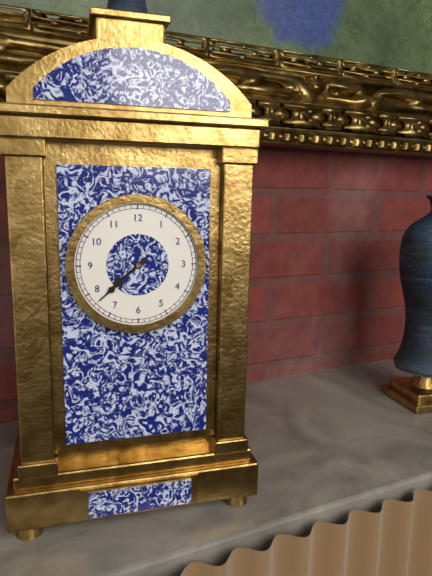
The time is 7h38
